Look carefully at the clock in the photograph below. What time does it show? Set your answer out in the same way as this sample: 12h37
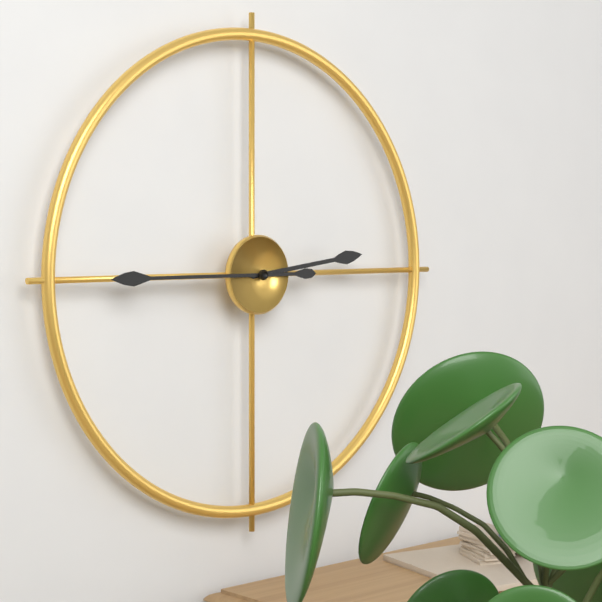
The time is 2h45
